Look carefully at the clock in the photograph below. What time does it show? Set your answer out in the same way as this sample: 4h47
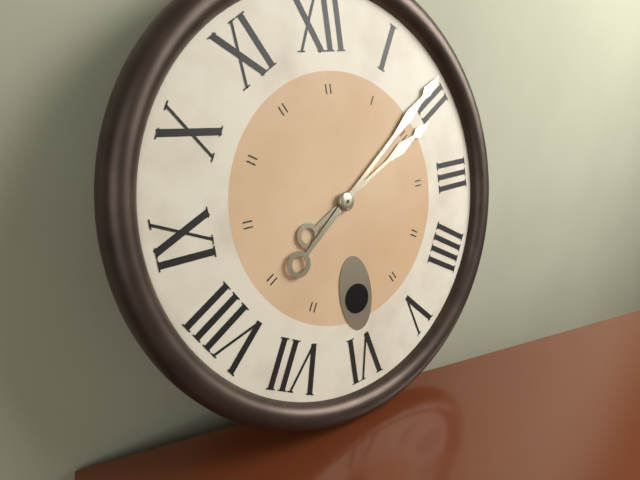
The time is 2h09
